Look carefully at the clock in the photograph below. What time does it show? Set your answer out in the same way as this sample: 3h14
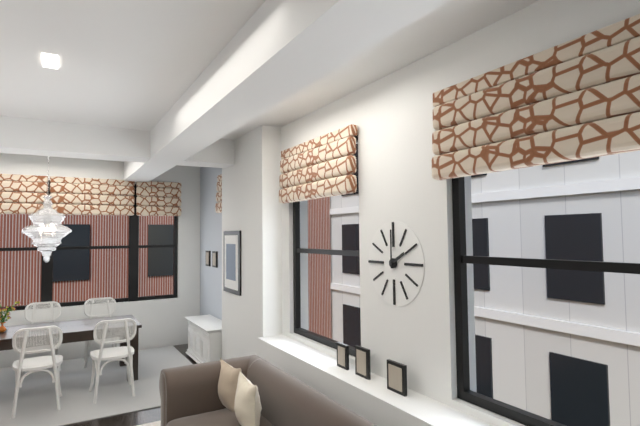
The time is 2h00
